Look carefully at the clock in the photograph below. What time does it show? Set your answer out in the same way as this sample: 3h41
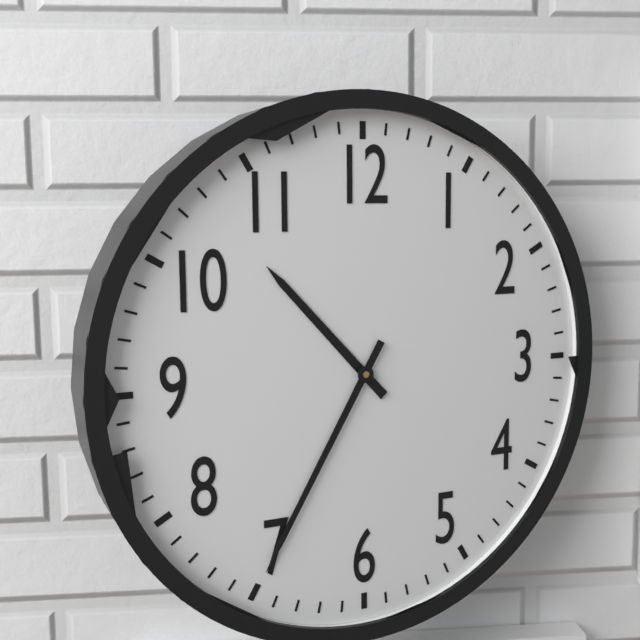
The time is 10h35
